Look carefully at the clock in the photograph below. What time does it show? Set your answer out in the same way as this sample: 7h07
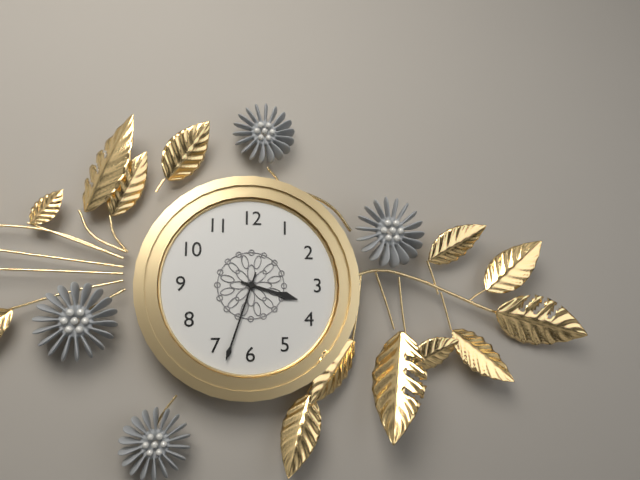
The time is 3h33
